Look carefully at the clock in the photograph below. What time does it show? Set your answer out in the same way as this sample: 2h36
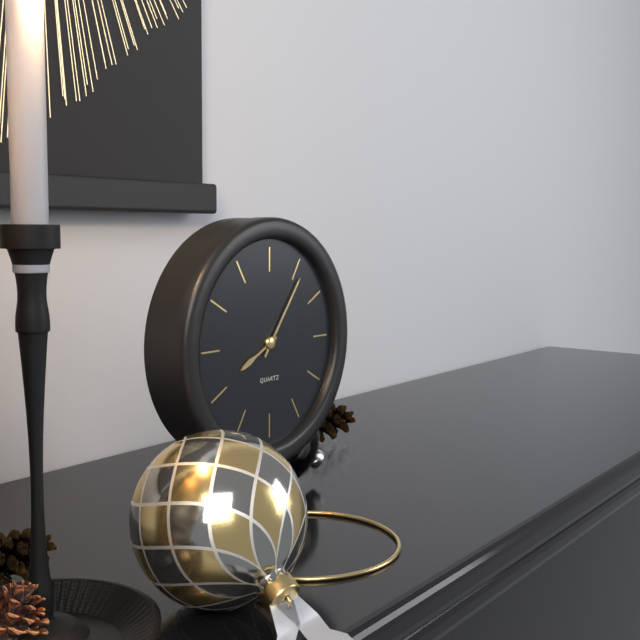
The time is 8h06
